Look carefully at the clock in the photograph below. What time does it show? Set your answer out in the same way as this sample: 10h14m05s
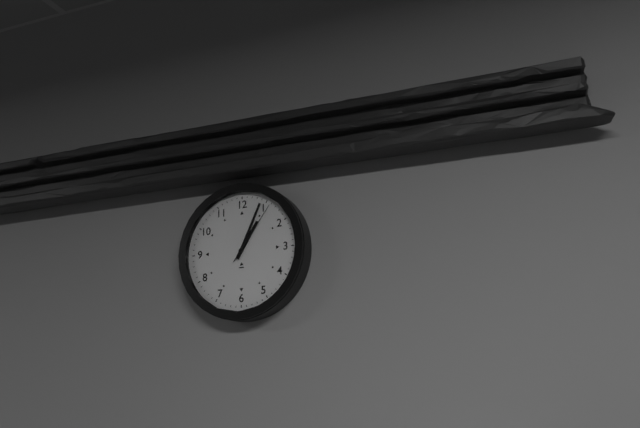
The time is 1h04m06s
